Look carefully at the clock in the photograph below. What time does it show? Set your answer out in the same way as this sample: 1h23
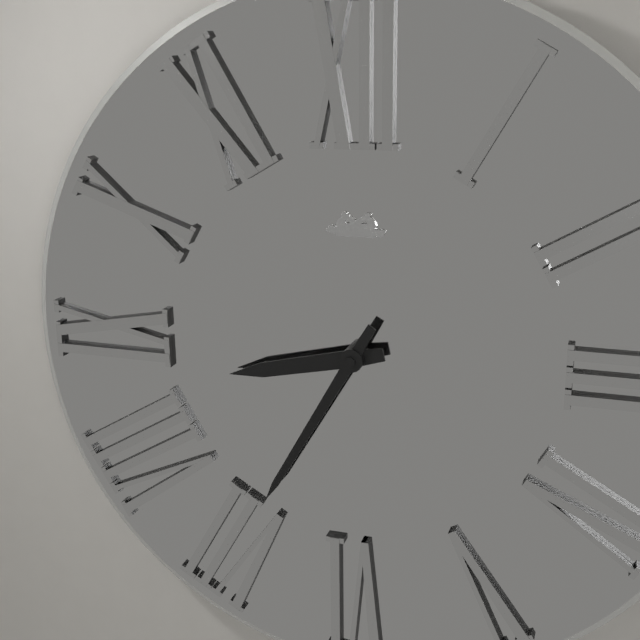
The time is 8h35
